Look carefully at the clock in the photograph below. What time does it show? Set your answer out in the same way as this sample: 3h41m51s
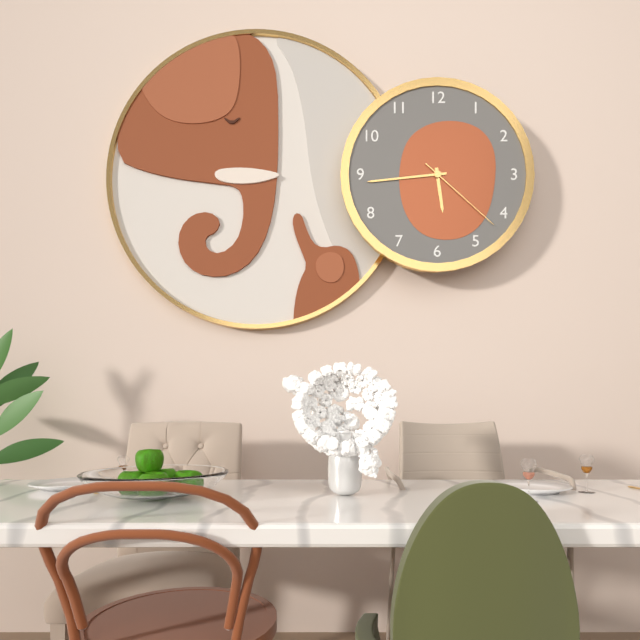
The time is 5h44m22s
